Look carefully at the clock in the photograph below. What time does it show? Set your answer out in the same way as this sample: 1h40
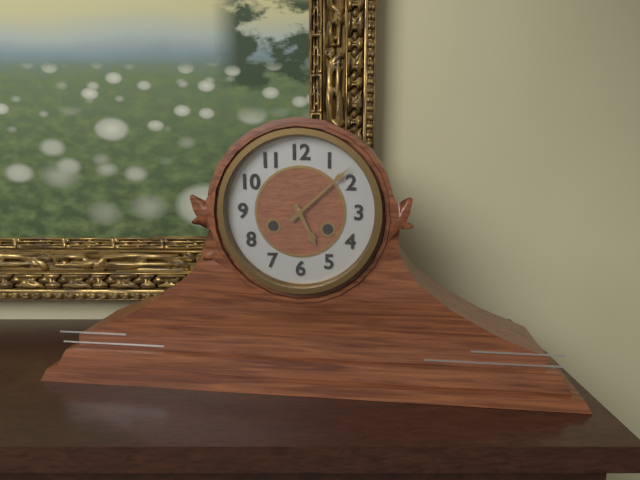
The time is 5h08
